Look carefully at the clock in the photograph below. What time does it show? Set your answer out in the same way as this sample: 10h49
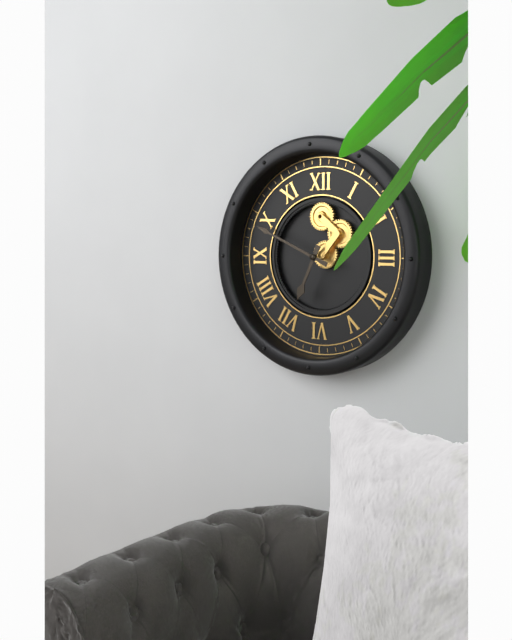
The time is 6h49
